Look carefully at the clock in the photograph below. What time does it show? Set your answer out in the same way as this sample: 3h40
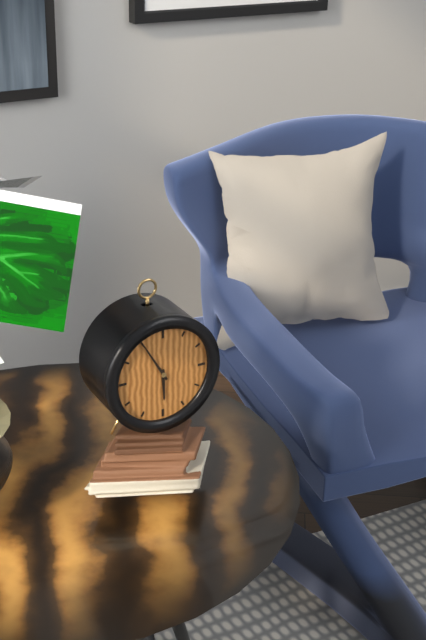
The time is 5h55
